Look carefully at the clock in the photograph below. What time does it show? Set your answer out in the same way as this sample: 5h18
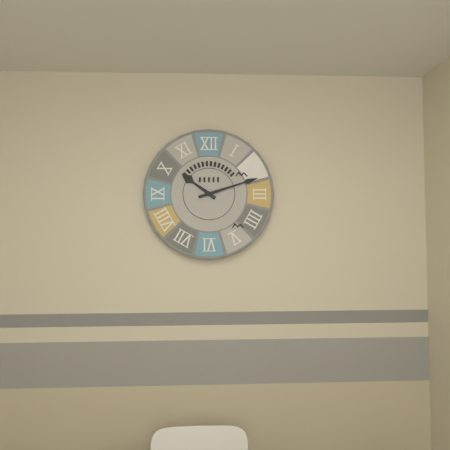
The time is 10h12
